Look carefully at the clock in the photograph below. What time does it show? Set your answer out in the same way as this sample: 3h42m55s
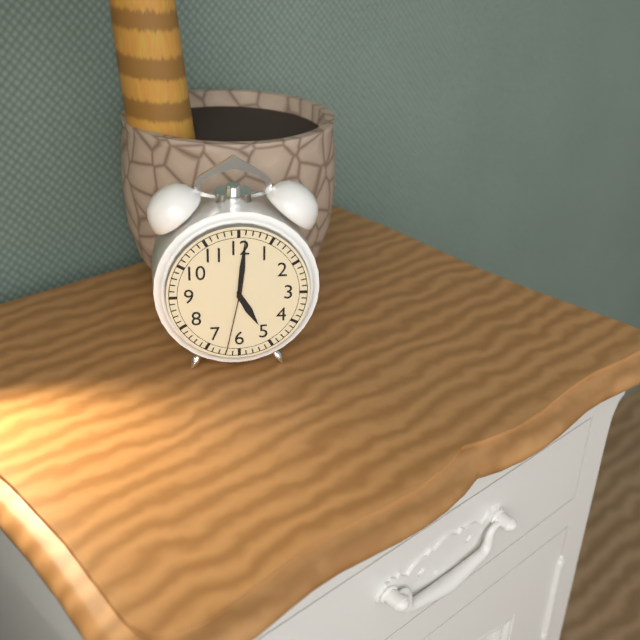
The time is 5h01m32s
